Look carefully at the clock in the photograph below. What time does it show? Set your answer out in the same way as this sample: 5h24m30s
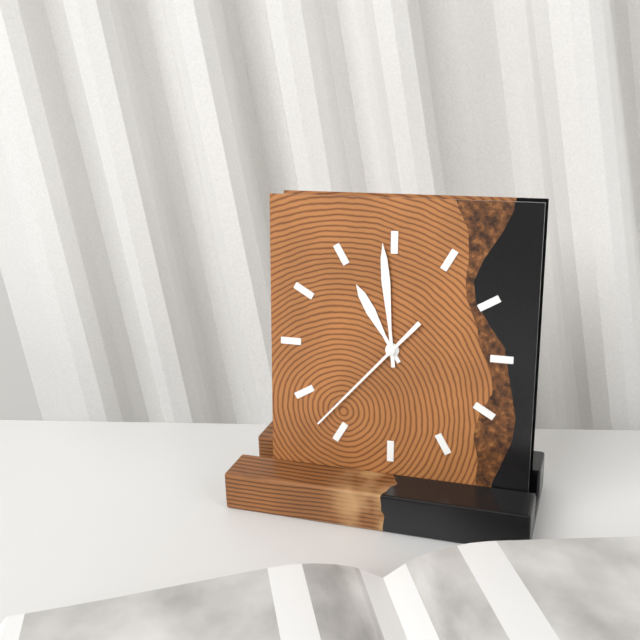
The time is 10h59m37s
